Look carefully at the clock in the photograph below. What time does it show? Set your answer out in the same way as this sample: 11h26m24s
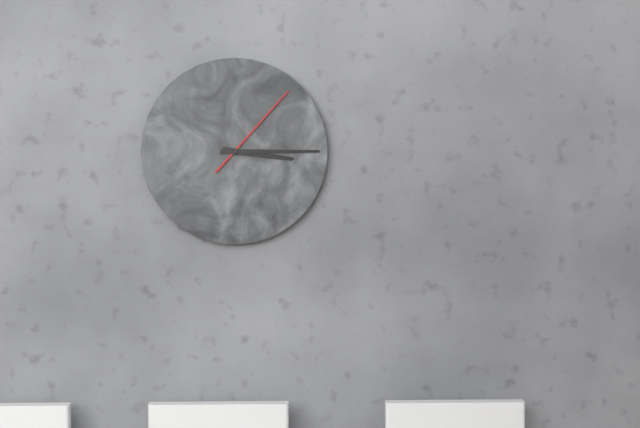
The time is 3h15m07s
